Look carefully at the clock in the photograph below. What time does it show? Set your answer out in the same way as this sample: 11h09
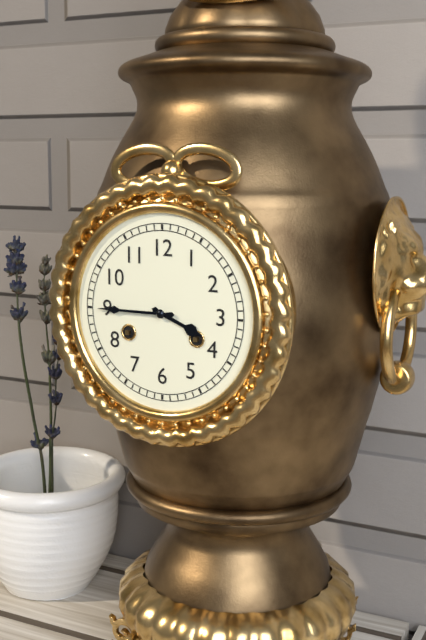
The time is 3h45
